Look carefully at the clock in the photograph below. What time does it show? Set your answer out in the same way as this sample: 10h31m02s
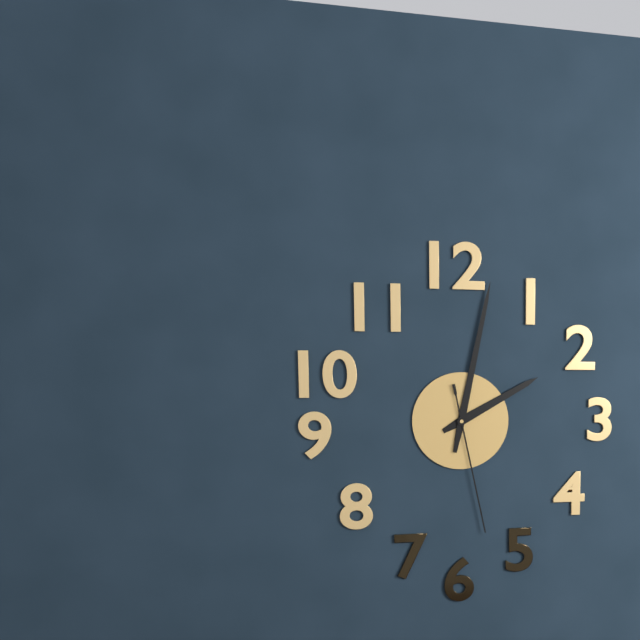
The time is 2h02m28s
